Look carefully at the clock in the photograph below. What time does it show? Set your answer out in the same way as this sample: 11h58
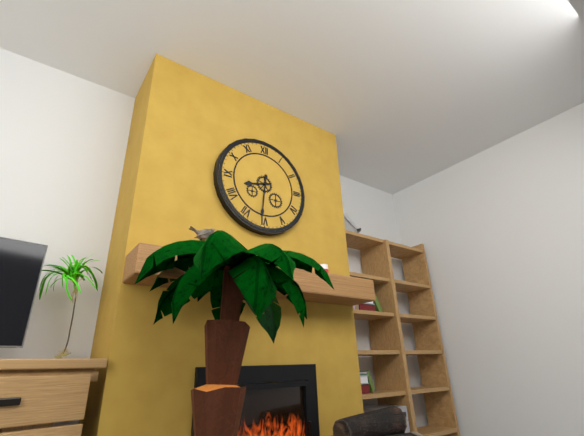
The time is 8h31
